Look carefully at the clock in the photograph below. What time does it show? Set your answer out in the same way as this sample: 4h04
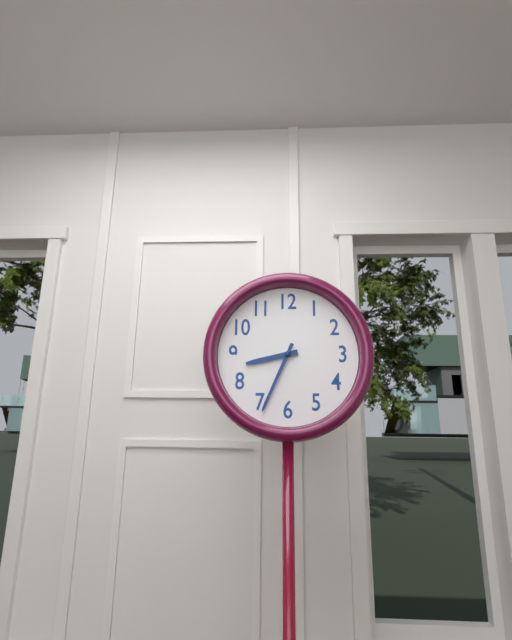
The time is 8h34
